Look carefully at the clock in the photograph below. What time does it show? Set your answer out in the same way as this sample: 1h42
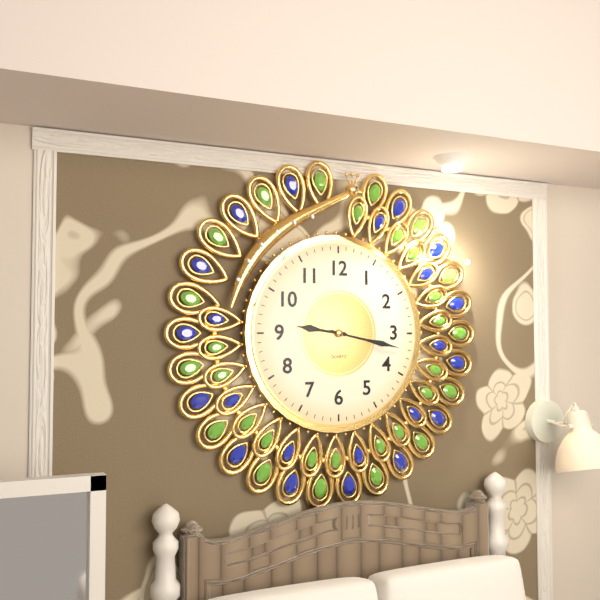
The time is 9h17
